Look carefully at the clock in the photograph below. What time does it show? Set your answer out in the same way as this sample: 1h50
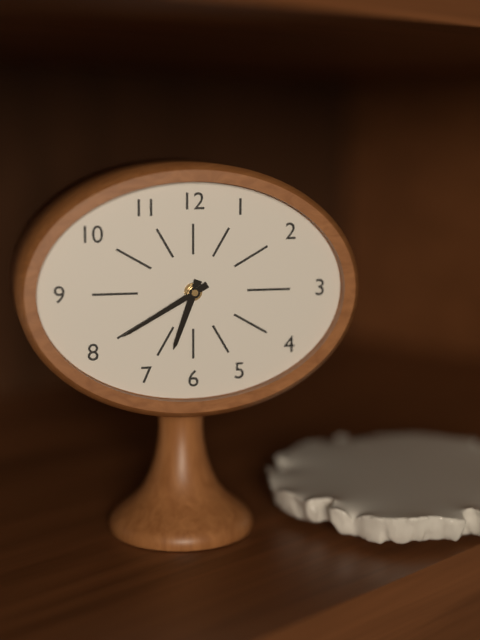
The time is 6h40
